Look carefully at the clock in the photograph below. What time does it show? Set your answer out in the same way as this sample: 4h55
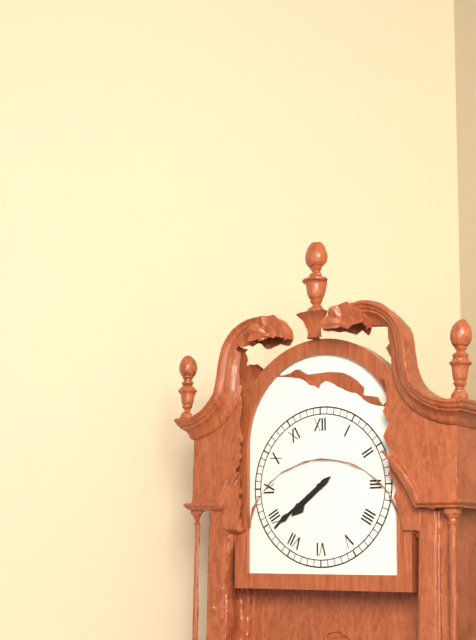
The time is 7h39
